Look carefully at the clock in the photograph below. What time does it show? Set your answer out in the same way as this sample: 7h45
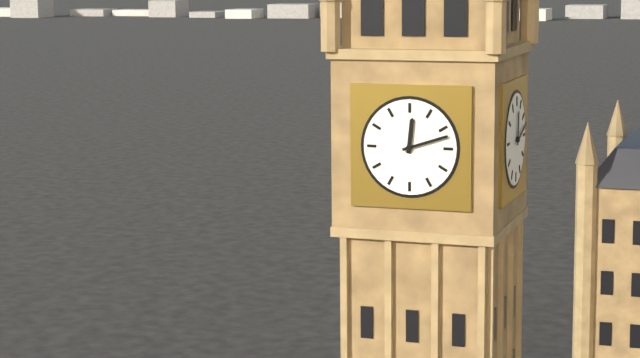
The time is 12h12
